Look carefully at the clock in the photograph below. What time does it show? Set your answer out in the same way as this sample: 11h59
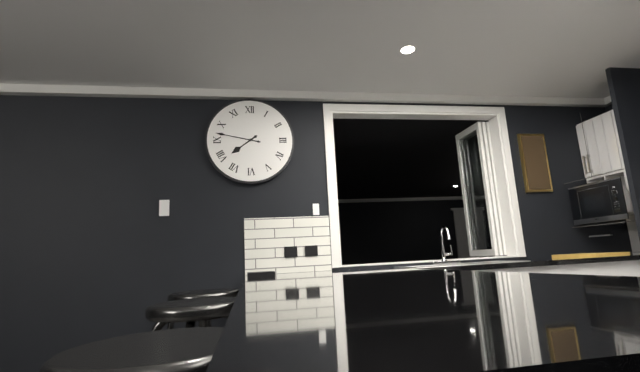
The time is 7h47
